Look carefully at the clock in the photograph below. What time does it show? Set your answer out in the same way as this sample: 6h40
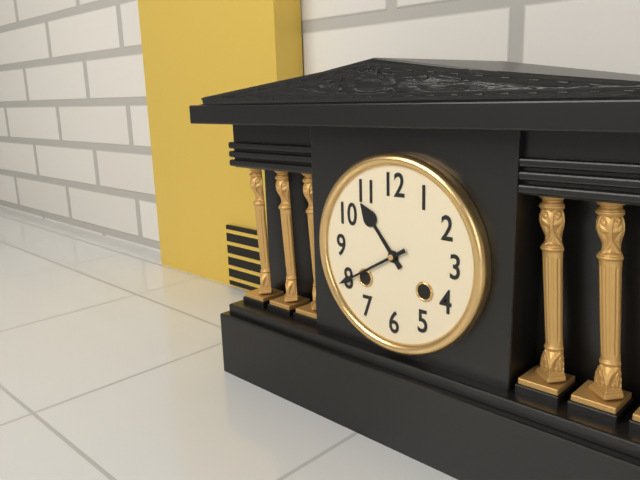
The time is 10h40
